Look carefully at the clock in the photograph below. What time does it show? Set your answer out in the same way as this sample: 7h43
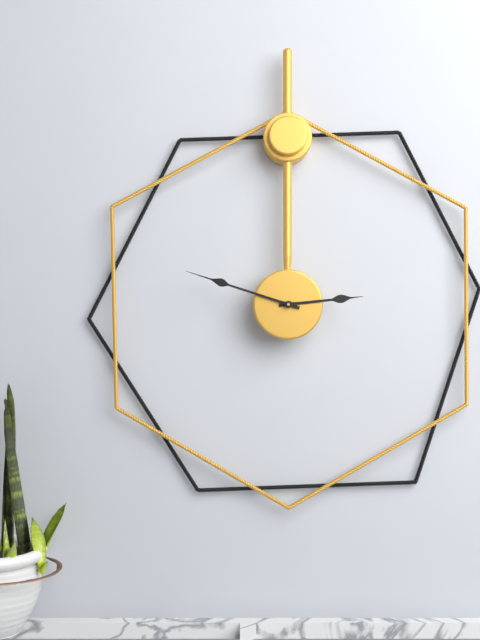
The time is 2h48
